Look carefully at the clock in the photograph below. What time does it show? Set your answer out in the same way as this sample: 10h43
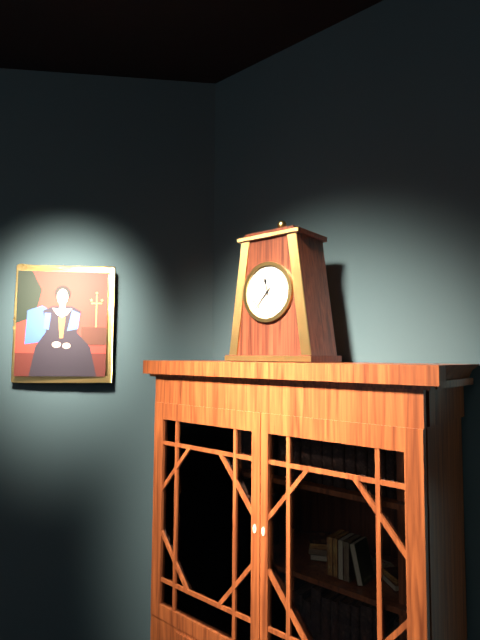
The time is 11h37
